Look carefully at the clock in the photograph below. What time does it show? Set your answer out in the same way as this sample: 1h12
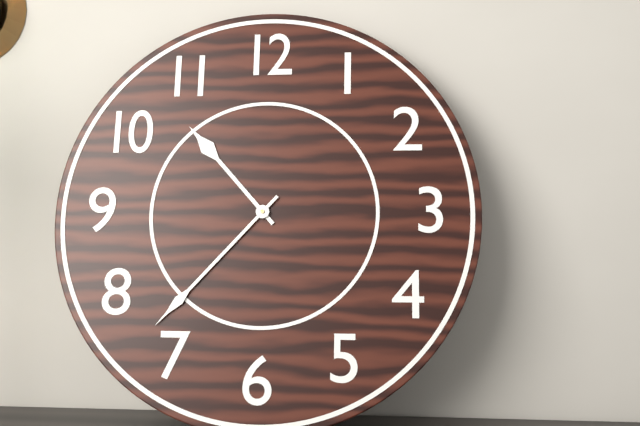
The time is 10h37
